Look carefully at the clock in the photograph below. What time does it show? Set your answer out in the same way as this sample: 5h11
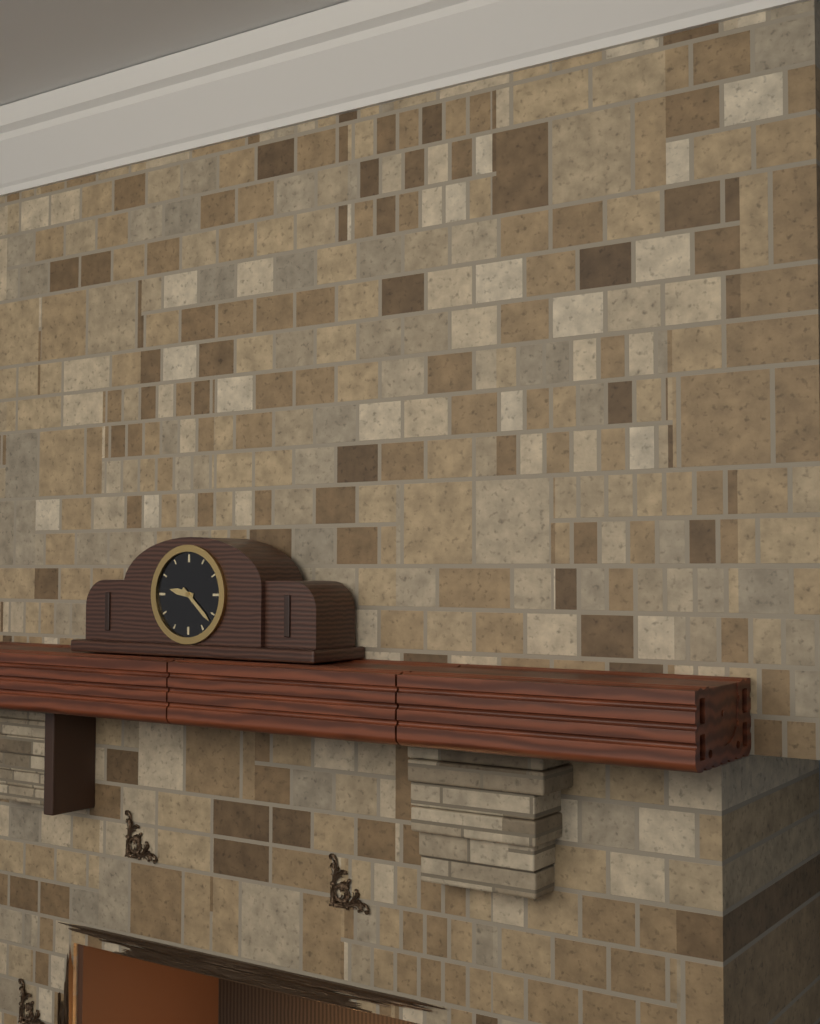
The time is 9h22
